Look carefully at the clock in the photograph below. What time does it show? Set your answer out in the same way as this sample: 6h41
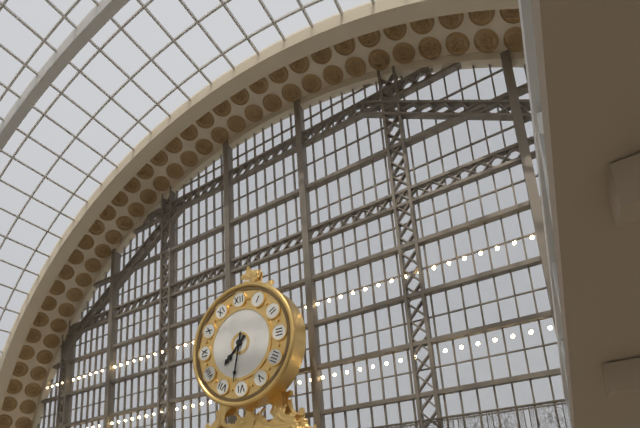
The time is 7h32
